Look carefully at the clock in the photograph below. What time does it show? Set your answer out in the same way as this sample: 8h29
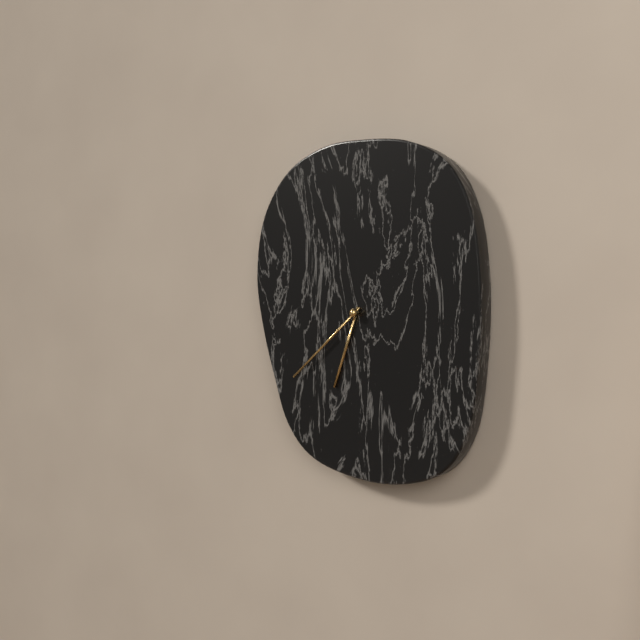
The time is 6h38
